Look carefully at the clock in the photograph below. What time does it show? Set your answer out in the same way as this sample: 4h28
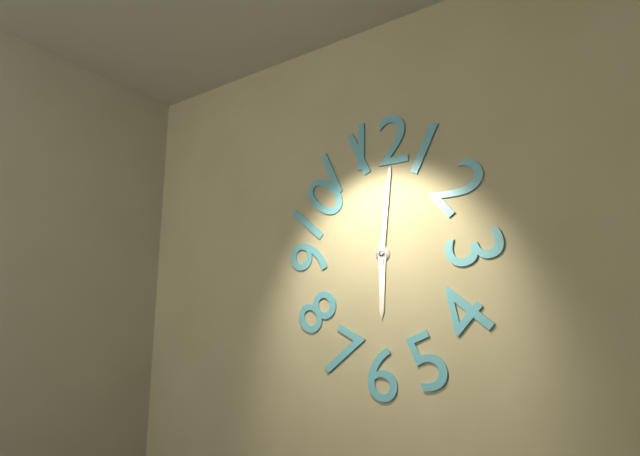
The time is 6h01
